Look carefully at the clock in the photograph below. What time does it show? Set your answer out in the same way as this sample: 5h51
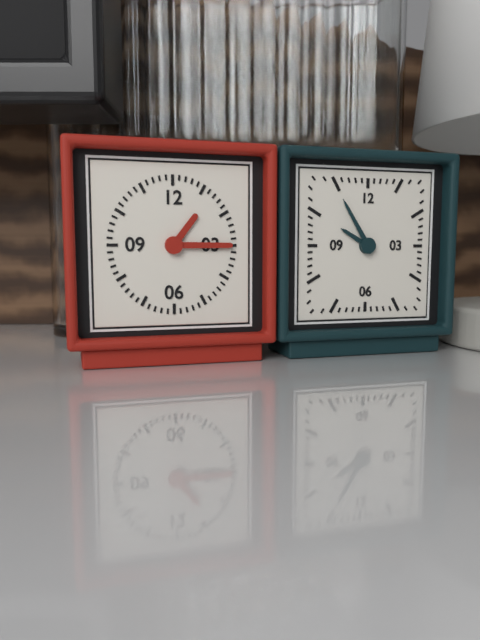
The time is 1h15
